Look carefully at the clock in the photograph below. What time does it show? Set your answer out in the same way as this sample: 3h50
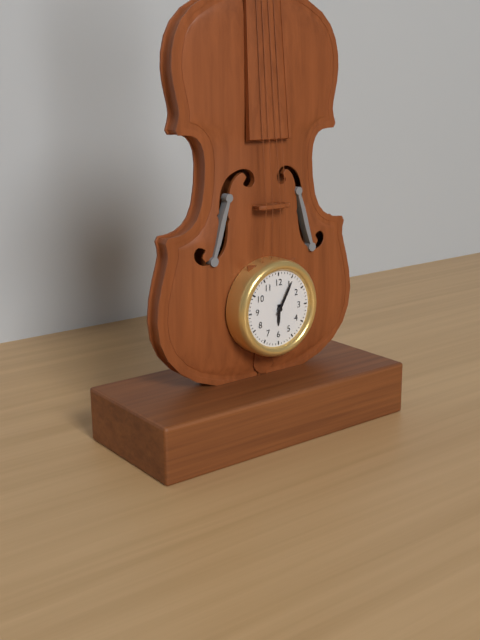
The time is 6h05
